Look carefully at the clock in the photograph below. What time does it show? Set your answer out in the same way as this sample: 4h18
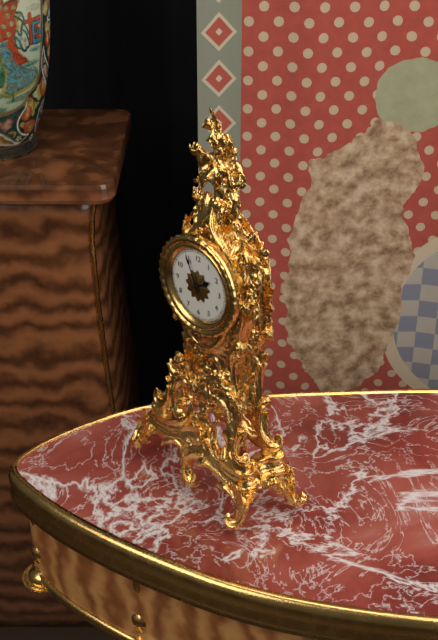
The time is 1h56
